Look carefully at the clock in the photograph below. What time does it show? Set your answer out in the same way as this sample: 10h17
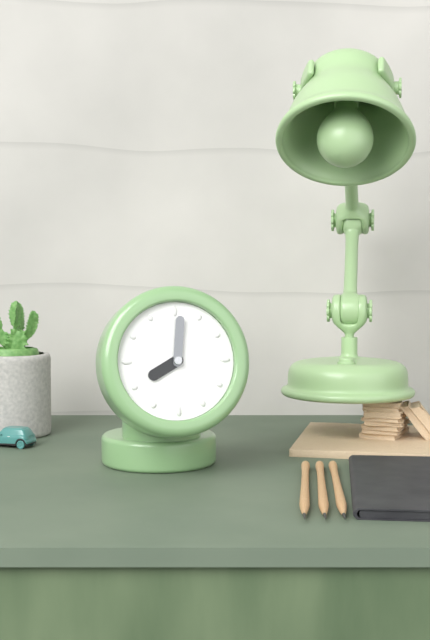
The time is 8h01
